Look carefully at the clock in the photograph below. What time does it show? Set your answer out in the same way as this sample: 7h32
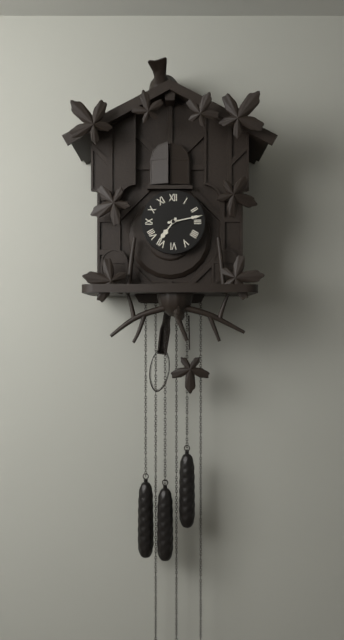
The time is 7h13
